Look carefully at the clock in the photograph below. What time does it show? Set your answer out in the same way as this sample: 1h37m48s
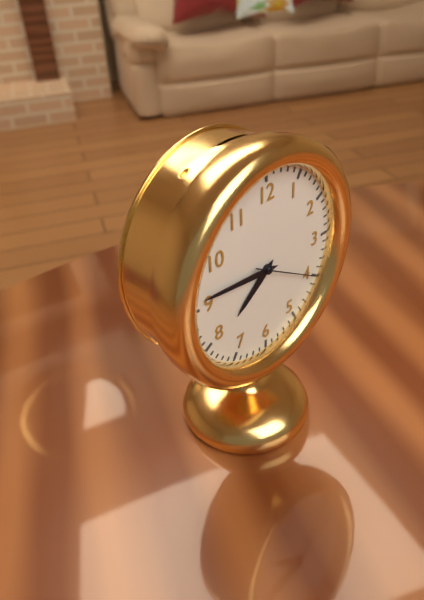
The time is 7h46m20s
